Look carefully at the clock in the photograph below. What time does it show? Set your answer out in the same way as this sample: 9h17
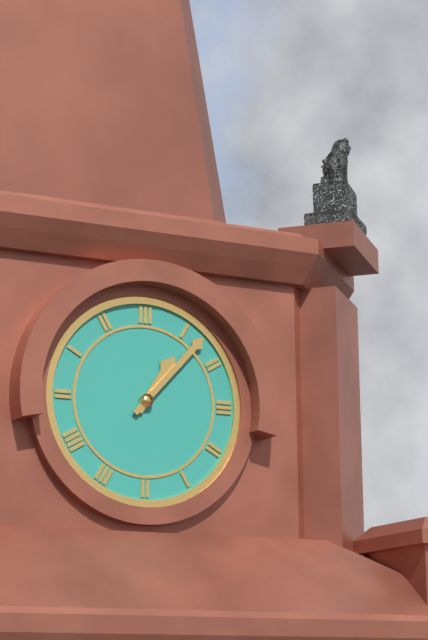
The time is 1h07
